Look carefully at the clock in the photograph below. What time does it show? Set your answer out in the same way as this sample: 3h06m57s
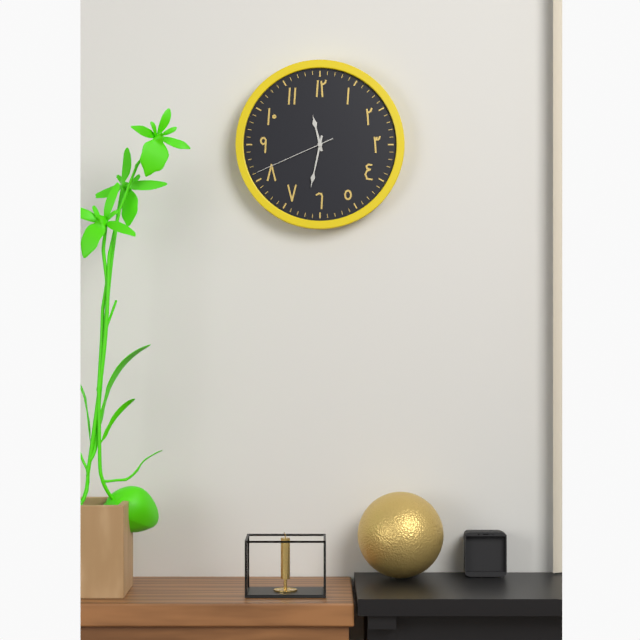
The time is 11h32m41s
